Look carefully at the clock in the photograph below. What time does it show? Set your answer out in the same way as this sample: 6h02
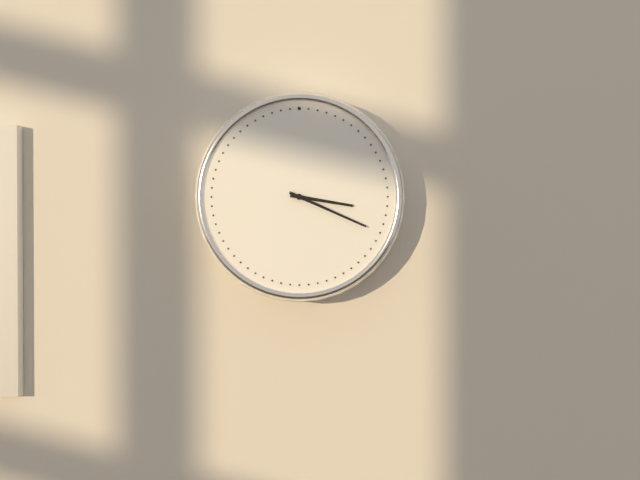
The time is 3h19
